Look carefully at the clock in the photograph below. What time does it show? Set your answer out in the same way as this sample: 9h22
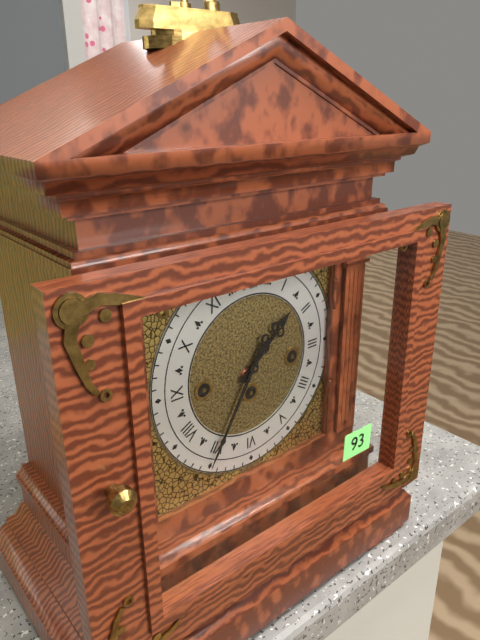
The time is 1h35
